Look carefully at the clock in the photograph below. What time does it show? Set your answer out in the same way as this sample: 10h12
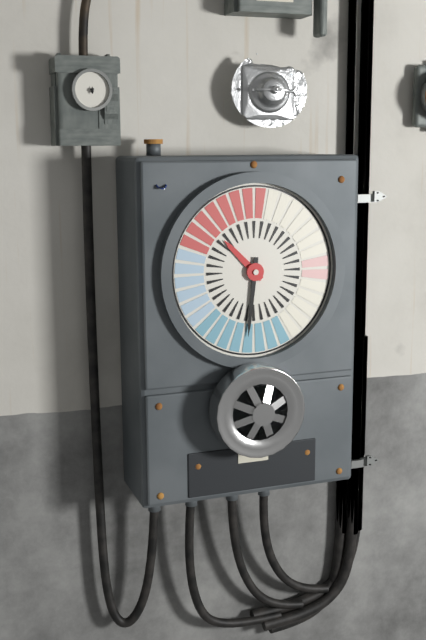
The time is 10h31
